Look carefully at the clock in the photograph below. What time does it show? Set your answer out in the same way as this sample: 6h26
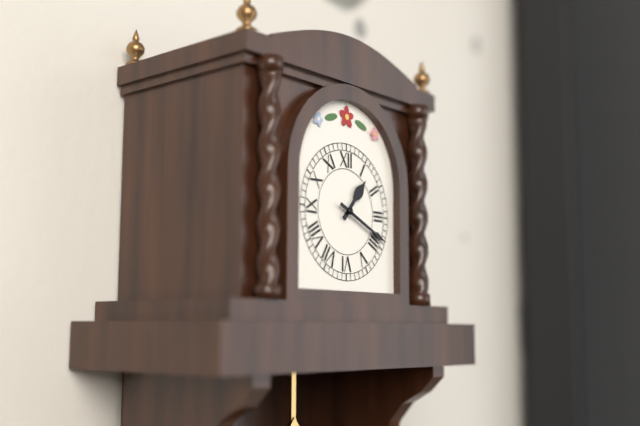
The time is 1h19
